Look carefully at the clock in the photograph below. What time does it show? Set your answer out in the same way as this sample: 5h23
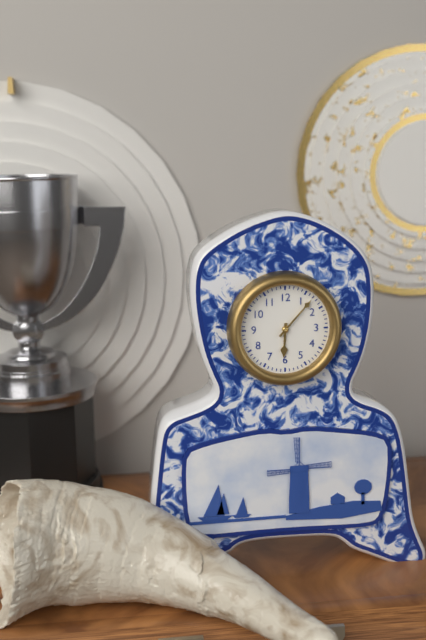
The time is 6h07
